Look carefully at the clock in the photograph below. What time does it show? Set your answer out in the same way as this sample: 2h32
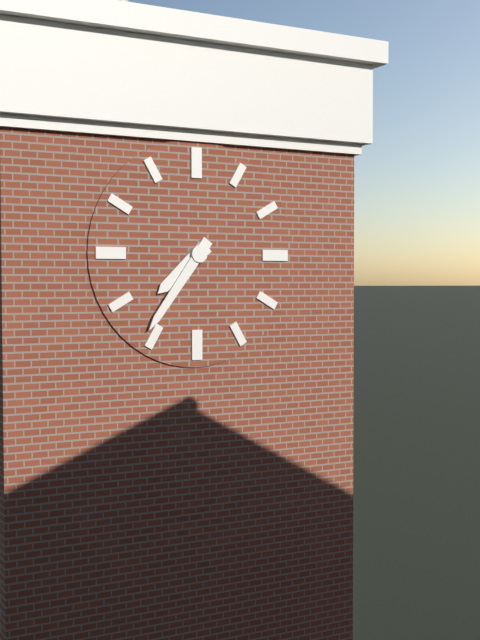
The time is 7h36
